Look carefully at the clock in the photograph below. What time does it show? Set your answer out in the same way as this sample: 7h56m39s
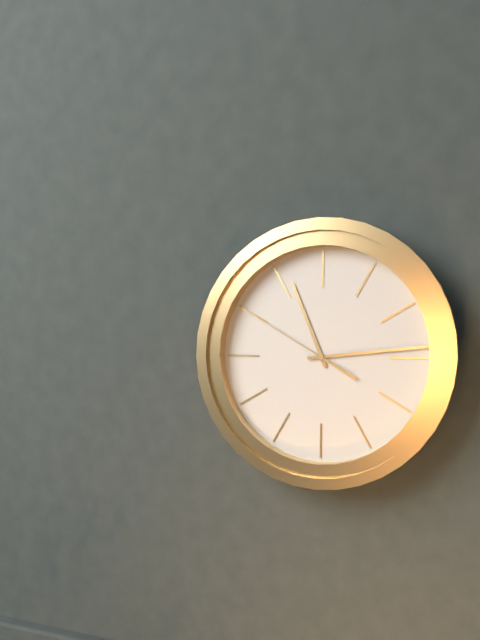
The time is 11h14m50s
